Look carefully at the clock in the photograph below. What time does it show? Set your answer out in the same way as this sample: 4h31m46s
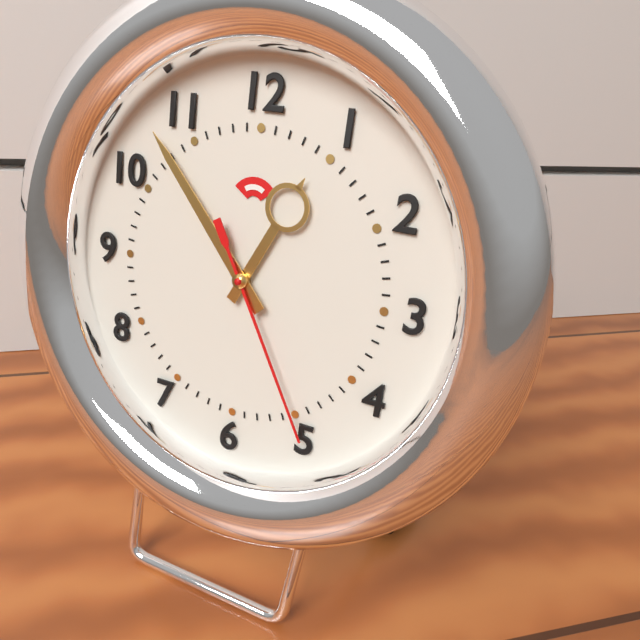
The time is 12h53m25s
